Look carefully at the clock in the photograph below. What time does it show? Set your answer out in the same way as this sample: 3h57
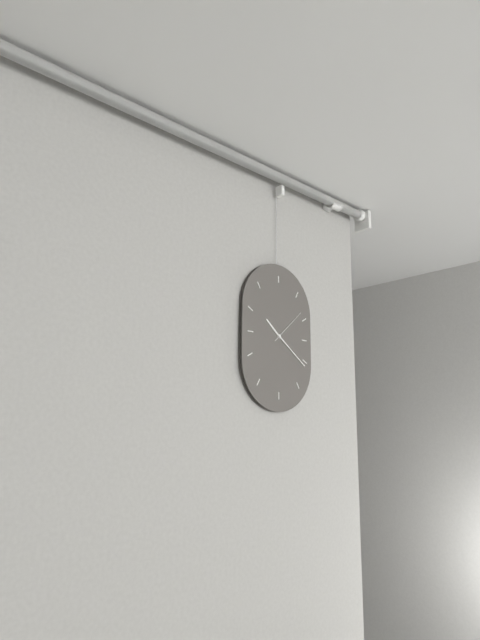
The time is 10h21
